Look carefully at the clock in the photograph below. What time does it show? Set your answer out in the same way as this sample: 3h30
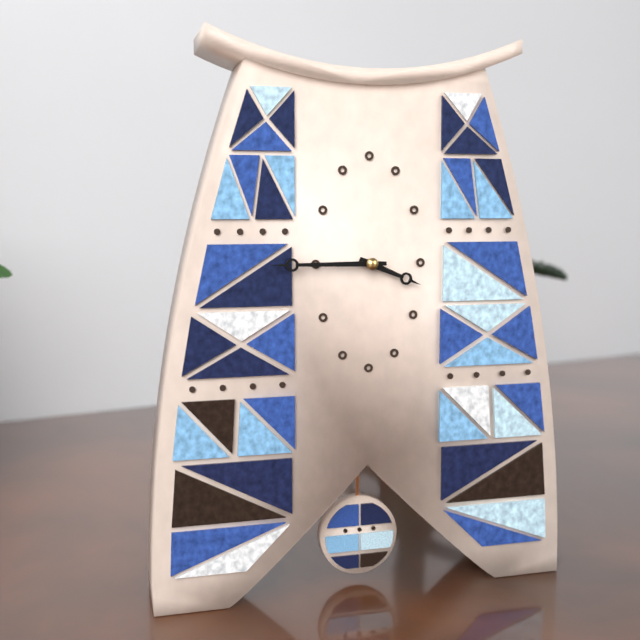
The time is 3h45
